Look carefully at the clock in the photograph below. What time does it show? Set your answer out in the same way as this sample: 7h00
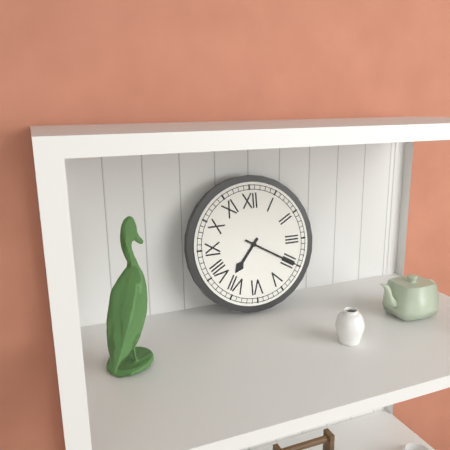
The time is 7h20
